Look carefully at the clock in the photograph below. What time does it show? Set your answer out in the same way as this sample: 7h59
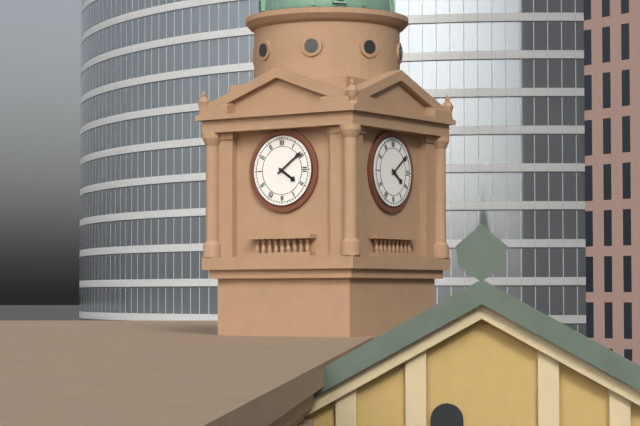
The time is 4h09
